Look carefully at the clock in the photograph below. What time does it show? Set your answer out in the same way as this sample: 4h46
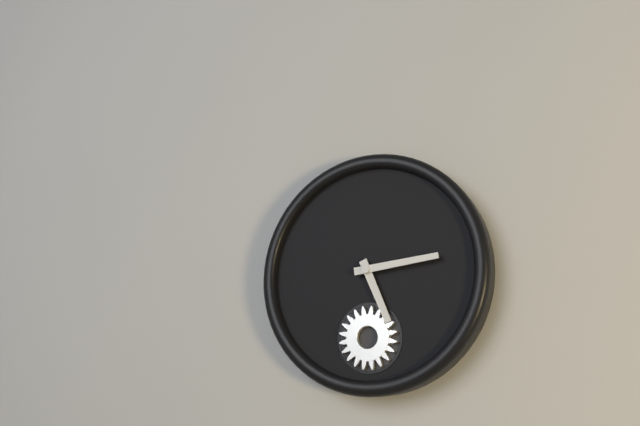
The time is 5h14
